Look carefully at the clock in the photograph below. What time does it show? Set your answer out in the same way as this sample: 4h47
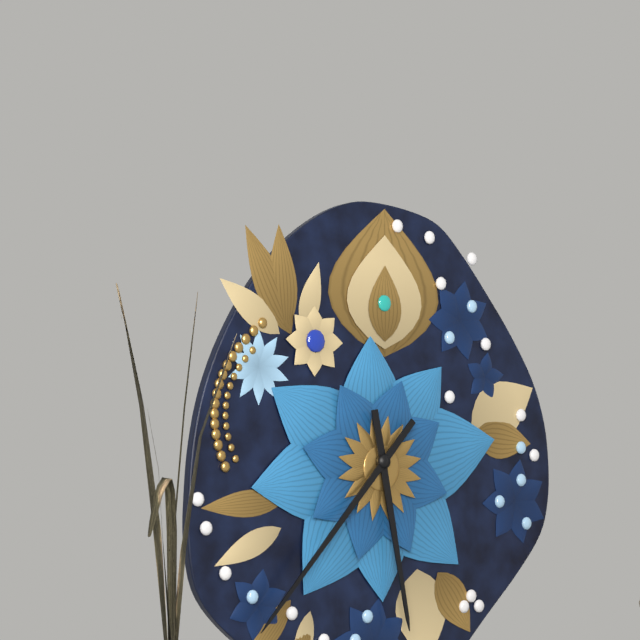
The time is 5h37
